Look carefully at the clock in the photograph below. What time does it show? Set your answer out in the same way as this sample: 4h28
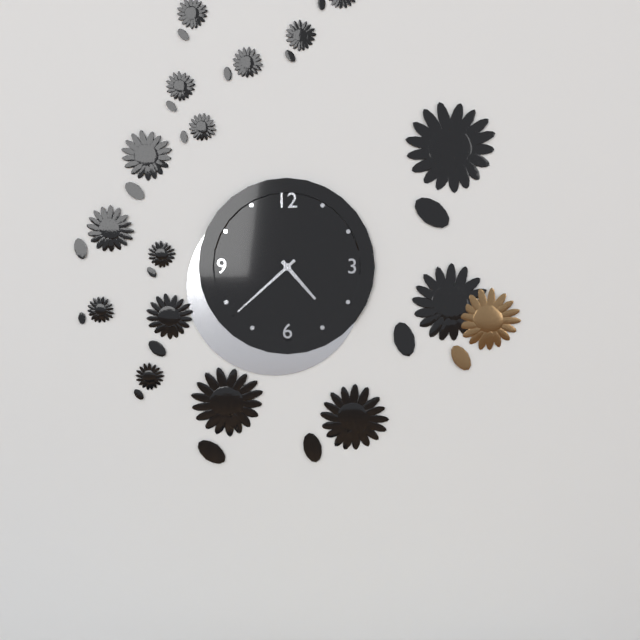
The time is 4h38
